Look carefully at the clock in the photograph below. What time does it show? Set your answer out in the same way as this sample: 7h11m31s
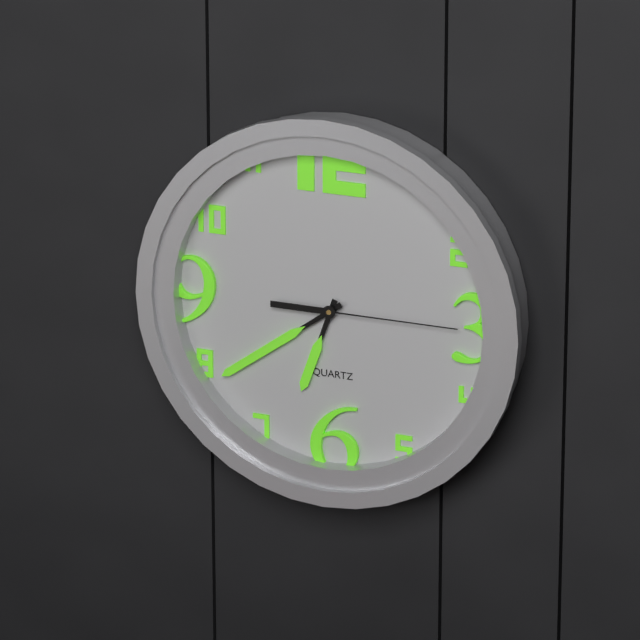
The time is 6h39m15s
